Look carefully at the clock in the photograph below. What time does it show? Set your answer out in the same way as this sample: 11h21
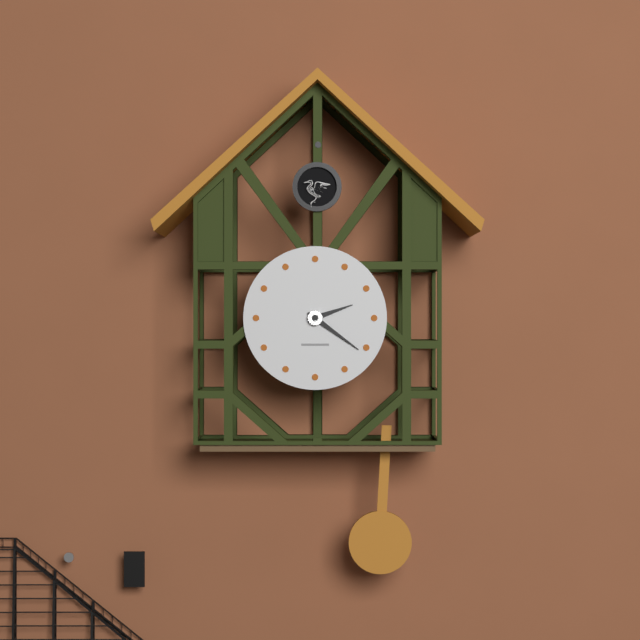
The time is 2h21
